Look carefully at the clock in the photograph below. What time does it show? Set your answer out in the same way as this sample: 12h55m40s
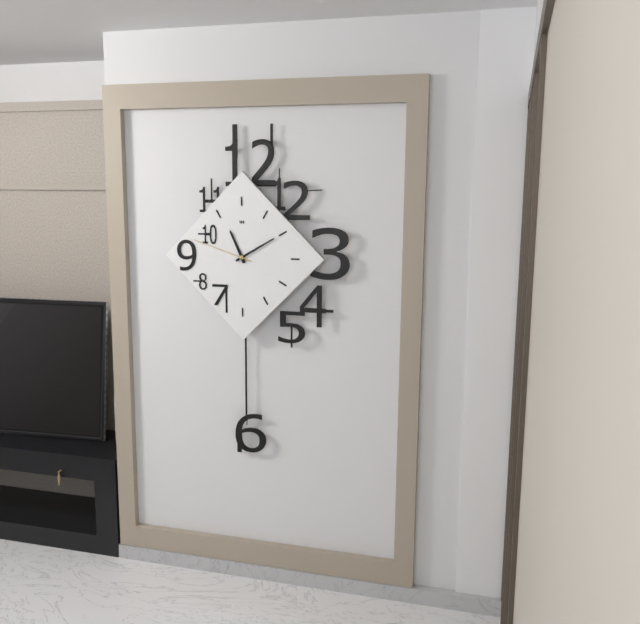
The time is 11h10m48s
